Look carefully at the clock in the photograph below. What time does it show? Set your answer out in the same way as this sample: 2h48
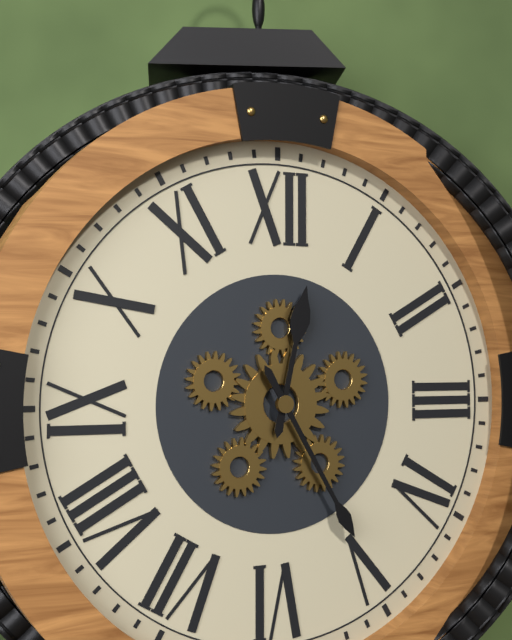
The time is 12h25
